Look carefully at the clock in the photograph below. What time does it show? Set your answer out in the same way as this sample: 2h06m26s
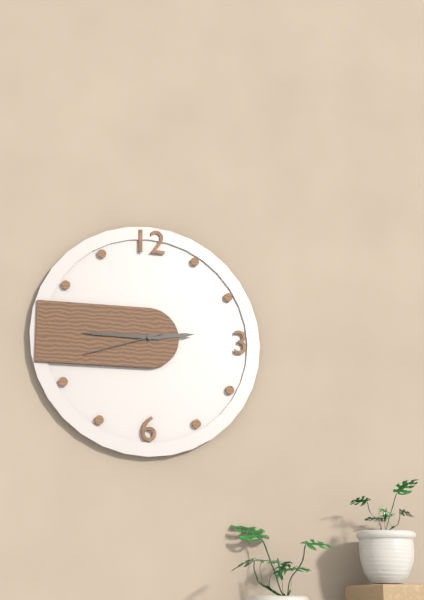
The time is 2h45m42s
